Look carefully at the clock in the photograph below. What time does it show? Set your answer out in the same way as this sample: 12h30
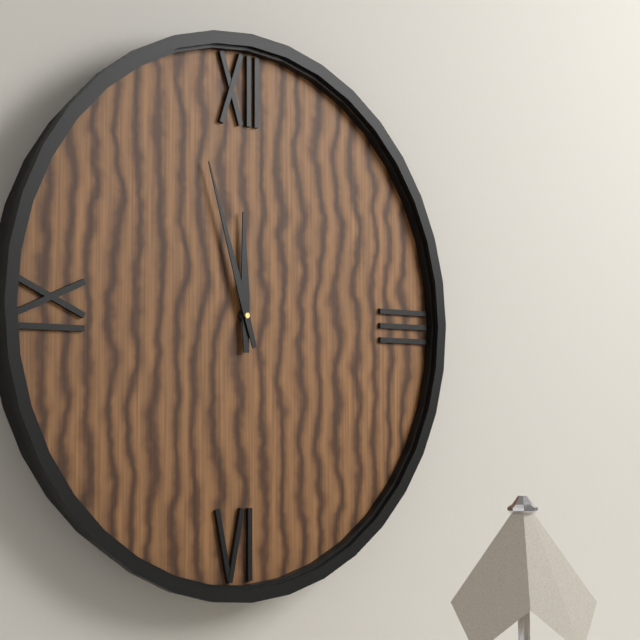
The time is 11h57
